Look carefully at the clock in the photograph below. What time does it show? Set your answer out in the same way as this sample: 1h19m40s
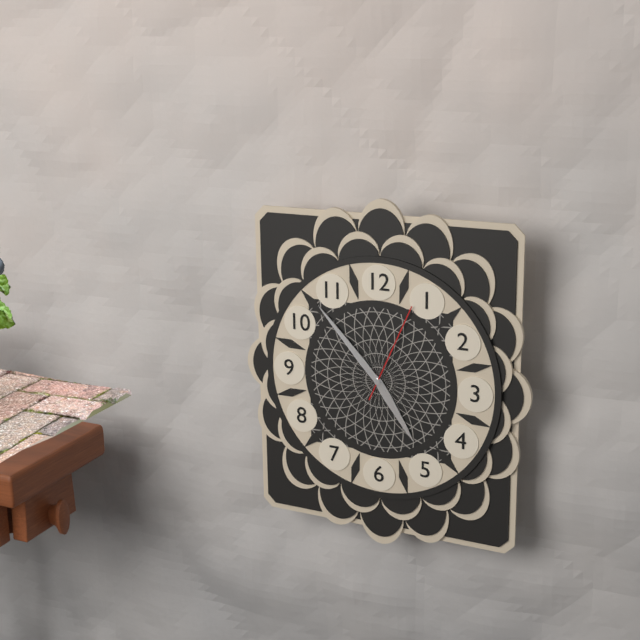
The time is 4h53m04s
